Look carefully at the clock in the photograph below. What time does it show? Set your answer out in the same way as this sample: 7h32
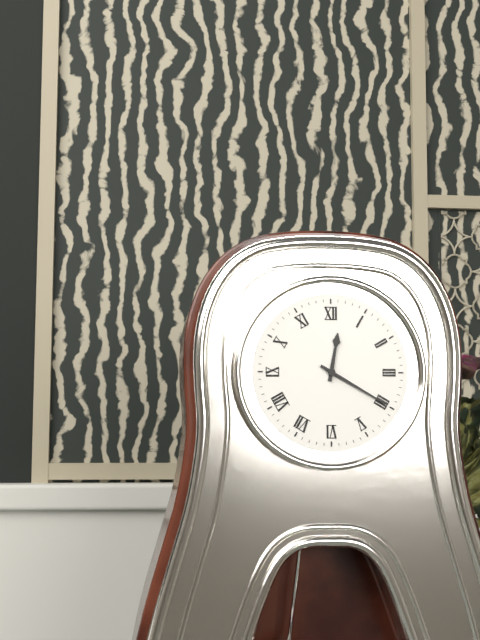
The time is 12h20
